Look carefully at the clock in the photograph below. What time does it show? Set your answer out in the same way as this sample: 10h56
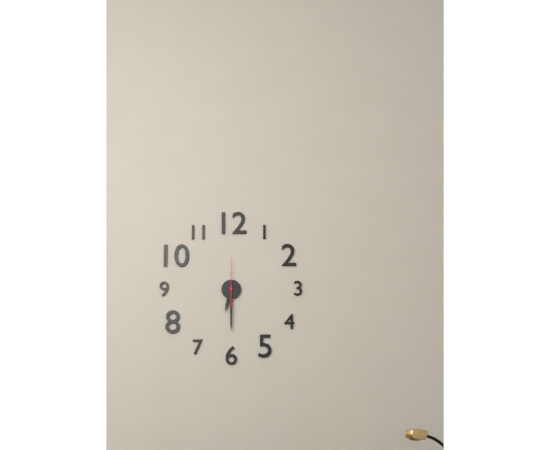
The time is 6h30
